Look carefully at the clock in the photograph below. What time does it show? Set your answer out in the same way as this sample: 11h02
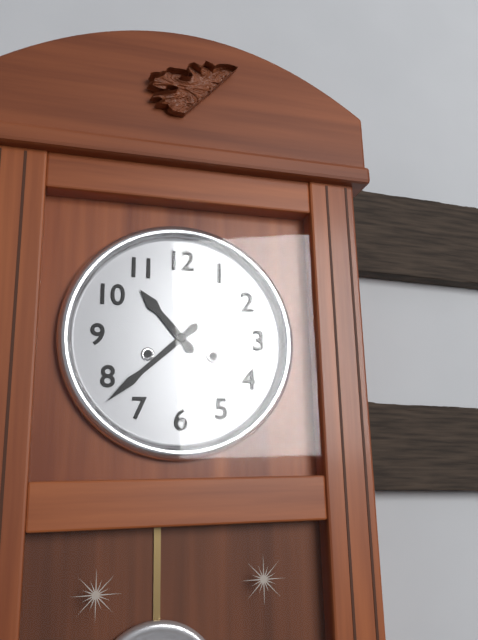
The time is 10h38
